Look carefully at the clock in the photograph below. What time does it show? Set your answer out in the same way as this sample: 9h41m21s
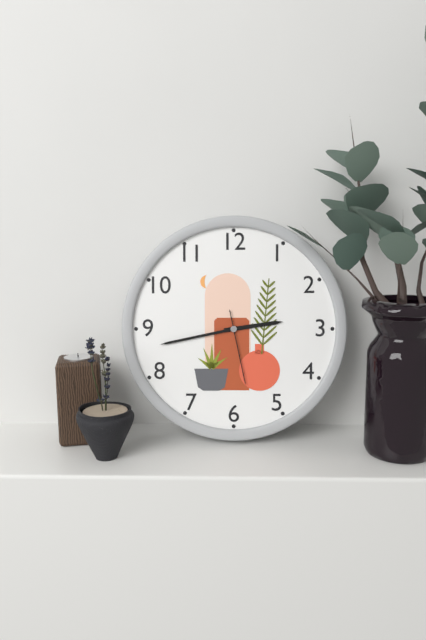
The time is 2h43m28s
